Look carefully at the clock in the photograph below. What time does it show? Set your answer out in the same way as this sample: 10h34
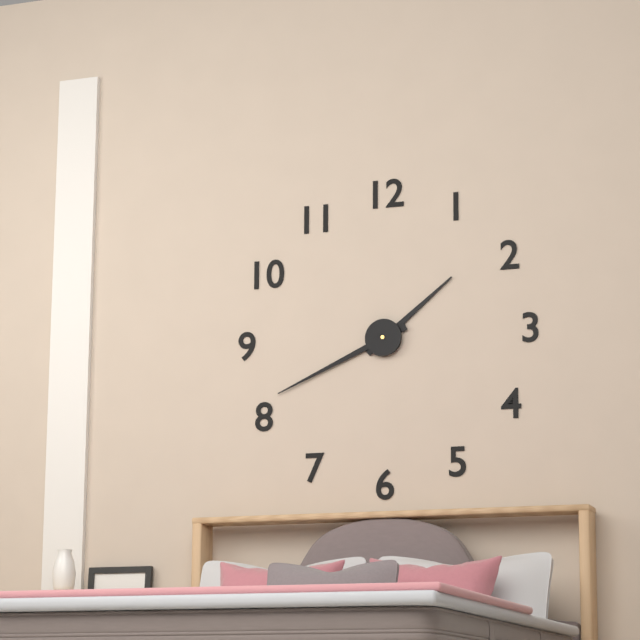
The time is 1h41
